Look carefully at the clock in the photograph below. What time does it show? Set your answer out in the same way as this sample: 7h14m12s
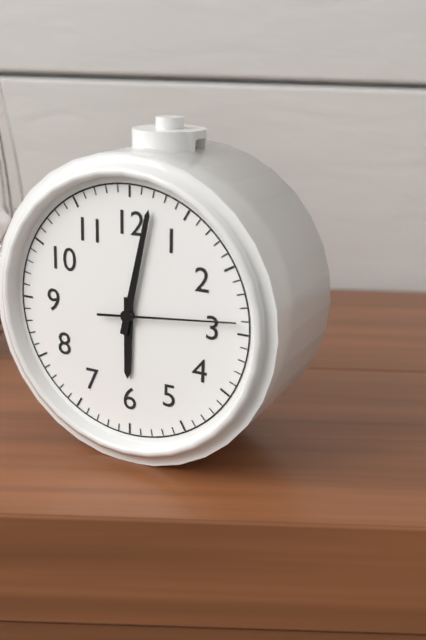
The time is 6h02m14s
